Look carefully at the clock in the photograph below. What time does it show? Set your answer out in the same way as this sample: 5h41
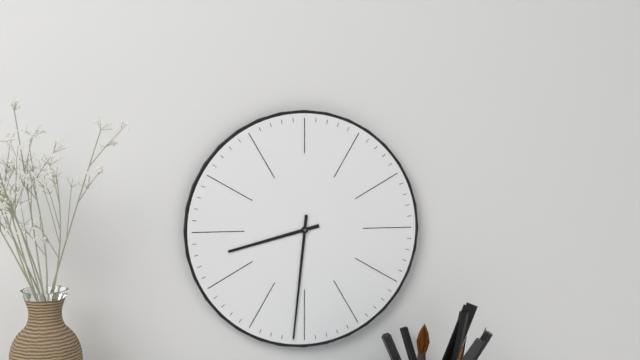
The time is 8h31
